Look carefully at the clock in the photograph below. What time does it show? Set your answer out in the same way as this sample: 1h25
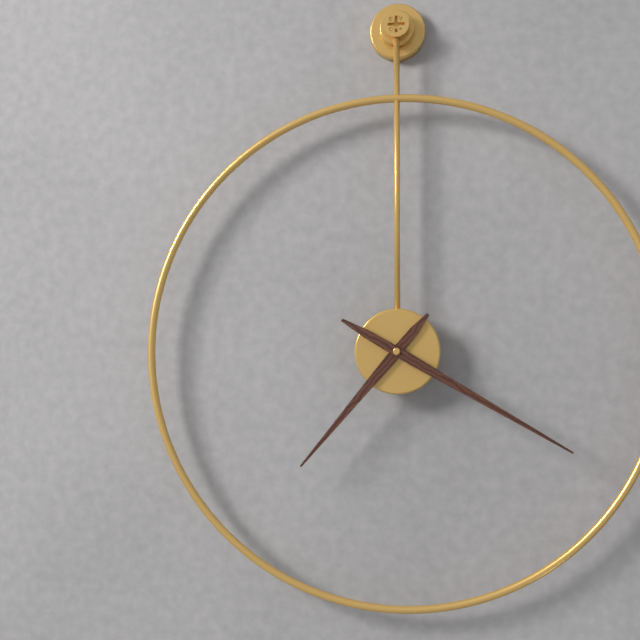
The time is 7h20
